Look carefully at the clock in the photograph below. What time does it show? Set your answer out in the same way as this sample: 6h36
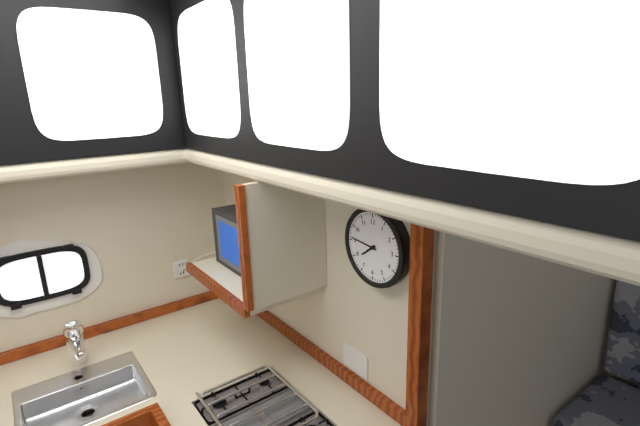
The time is 7h46
